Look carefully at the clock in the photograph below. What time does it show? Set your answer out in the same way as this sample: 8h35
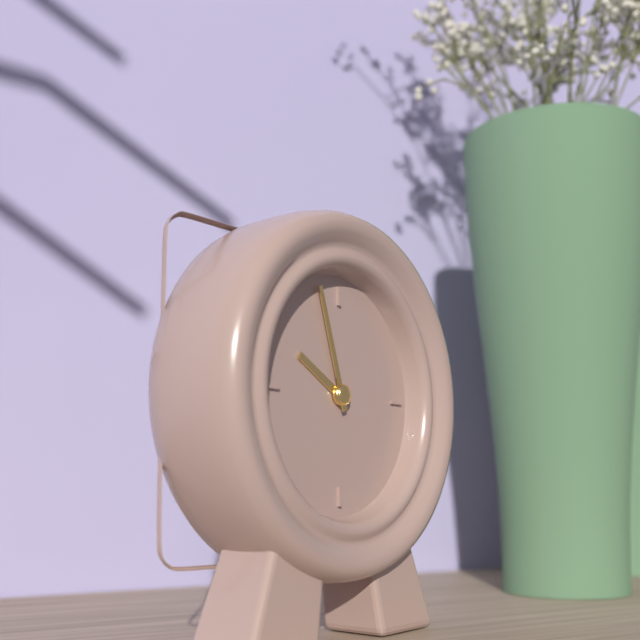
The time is 9h57
